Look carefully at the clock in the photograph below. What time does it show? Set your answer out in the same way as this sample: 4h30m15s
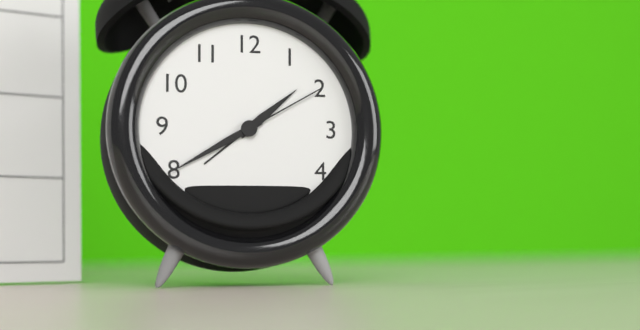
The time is 1h40m10s
